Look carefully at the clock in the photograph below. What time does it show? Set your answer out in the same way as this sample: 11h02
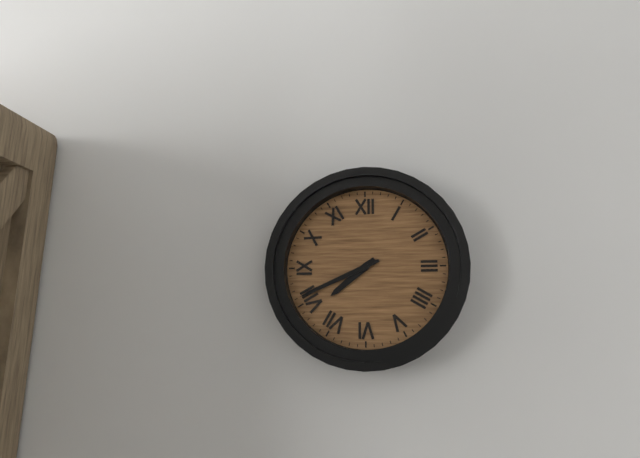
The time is 7h41
